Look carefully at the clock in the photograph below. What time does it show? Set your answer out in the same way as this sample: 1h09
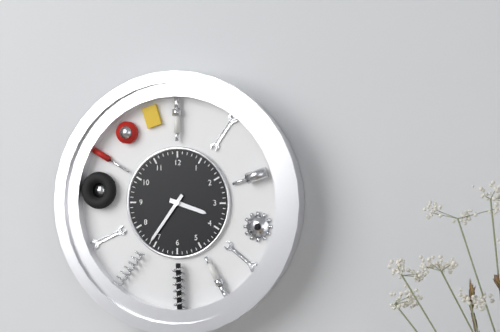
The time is 3h36
